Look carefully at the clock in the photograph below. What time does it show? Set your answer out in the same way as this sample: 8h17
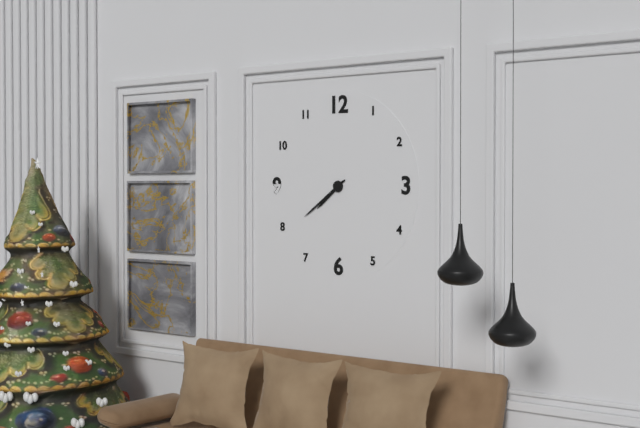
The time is 7h39
